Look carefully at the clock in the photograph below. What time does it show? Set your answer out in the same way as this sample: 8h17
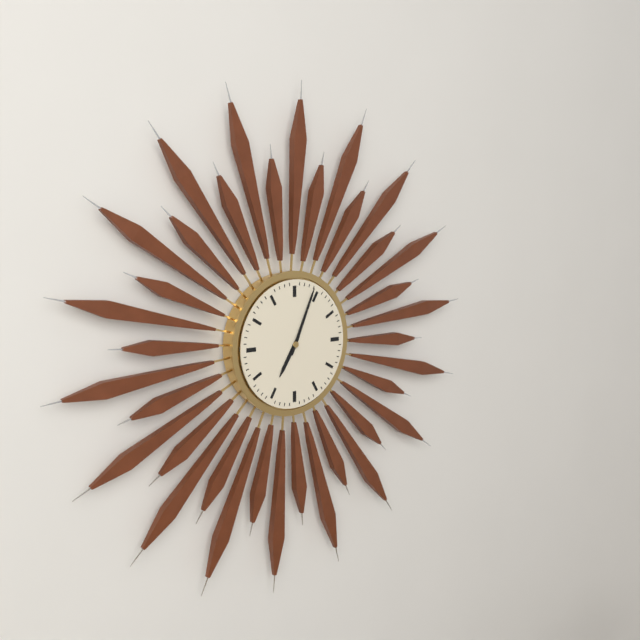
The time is 7h04
